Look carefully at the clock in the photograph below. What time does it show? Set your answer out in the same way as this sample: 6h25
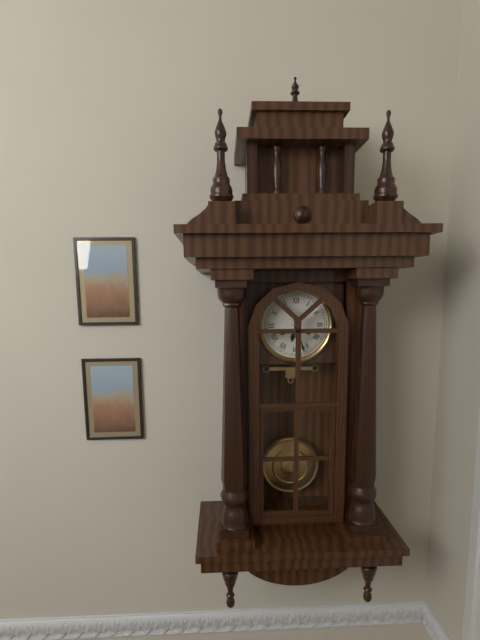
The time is 6h27
